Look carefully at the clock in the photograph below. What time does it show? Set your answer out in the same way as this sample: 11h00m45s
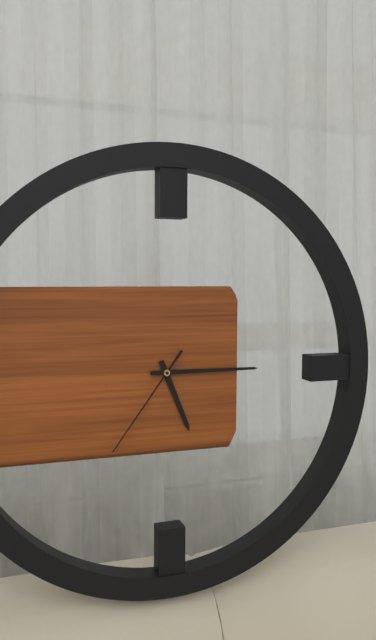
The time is 5h15m36s
